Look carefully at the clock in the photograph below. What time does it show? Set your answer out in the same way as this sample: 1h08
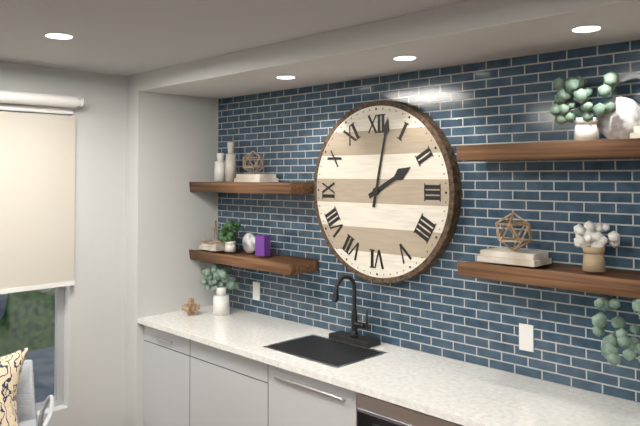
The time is 2h02
